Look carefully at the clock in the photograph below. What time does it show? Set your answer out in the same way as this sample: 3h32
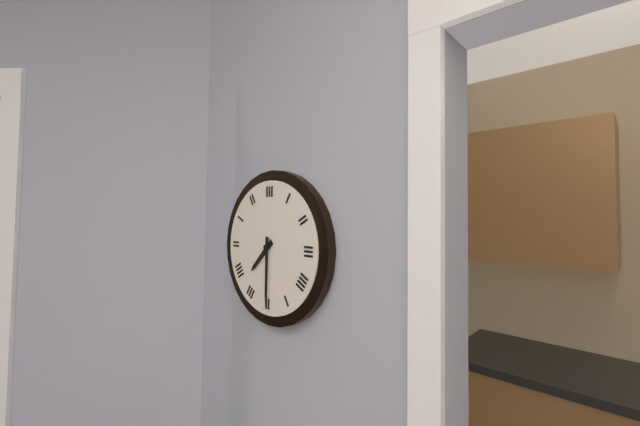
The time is 7h30
